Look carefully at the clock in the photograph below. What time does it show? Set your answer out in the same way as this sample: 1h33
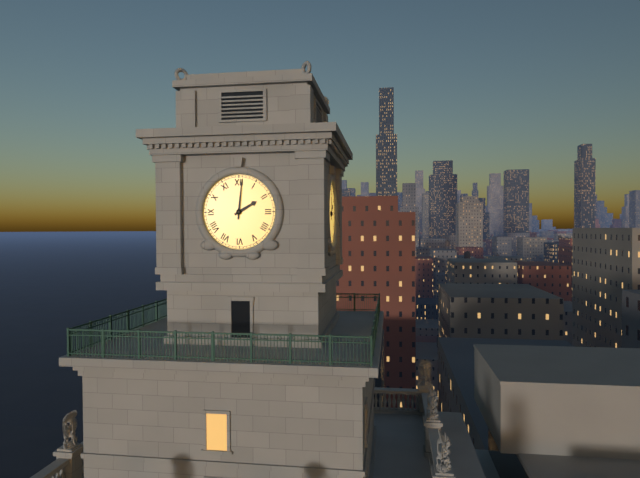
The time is 2h01
